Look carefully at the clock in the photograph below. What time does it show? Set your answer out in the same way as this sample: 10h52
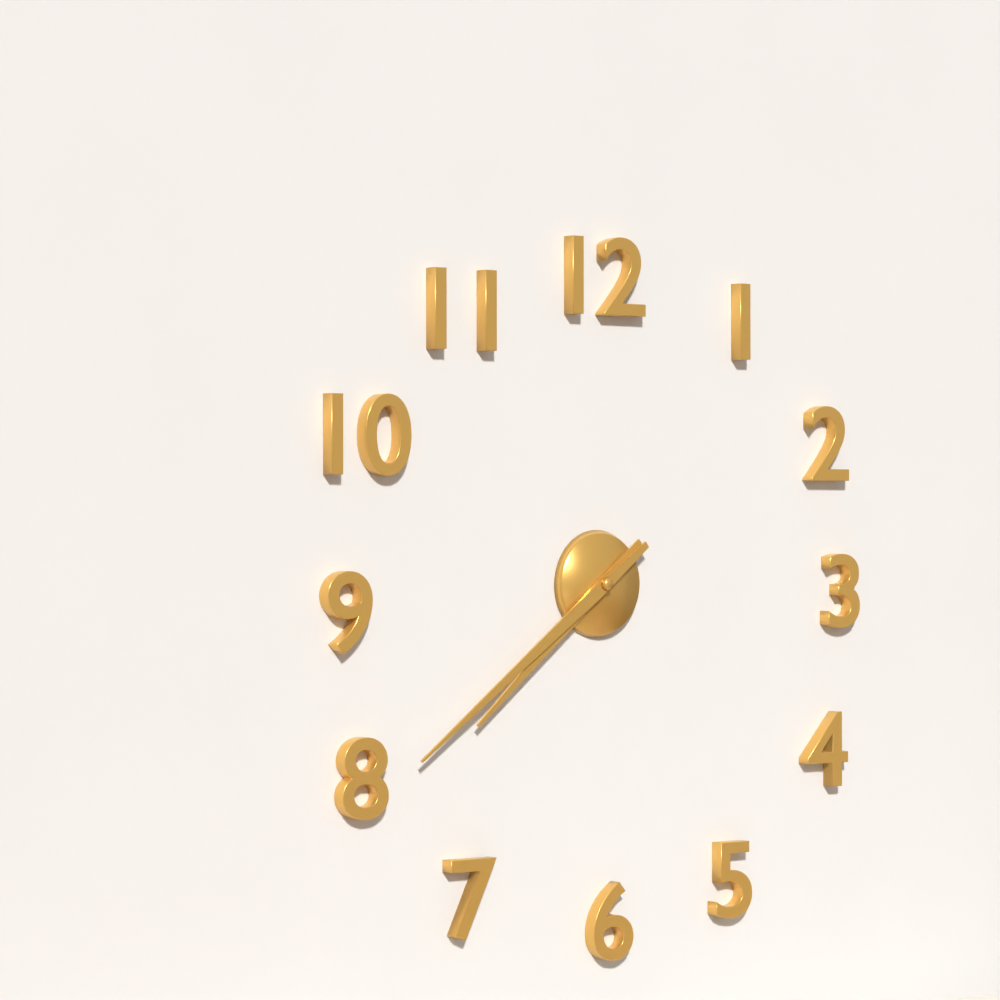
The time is 7h39
